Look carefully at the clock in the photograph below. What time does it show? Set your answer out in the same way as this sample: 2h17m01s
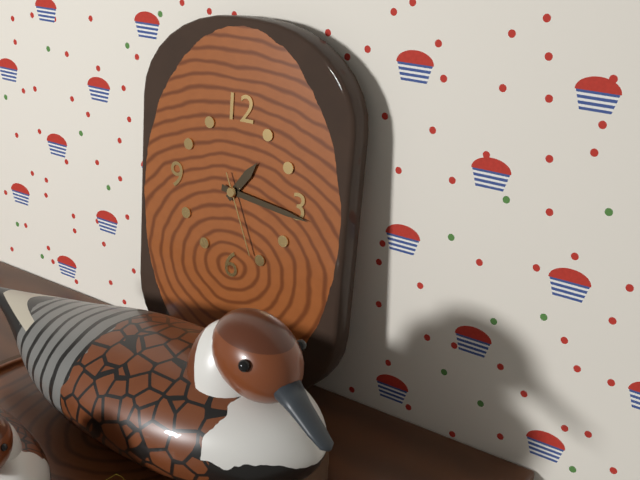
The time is 1h16m26s
